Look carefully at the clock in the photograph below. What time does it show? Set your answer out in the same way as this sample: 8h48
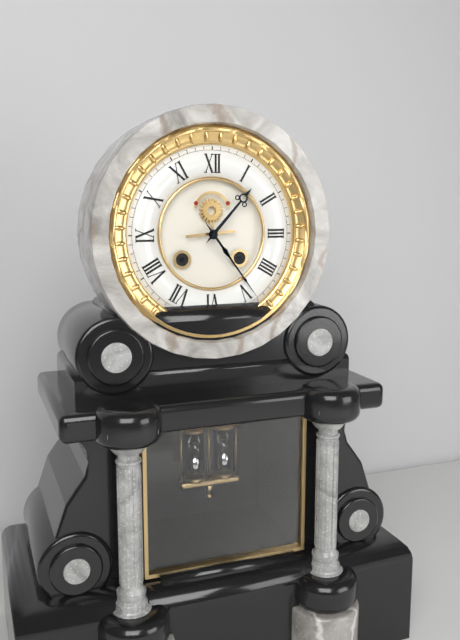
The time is 1h24
